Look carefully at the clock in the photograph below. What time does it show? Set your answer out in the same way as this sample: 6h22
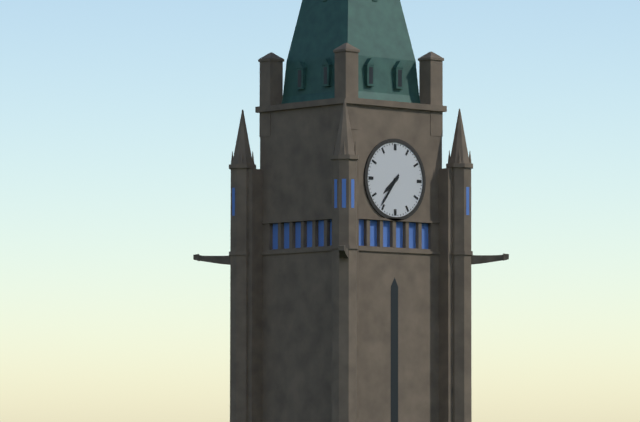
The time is 7h36
